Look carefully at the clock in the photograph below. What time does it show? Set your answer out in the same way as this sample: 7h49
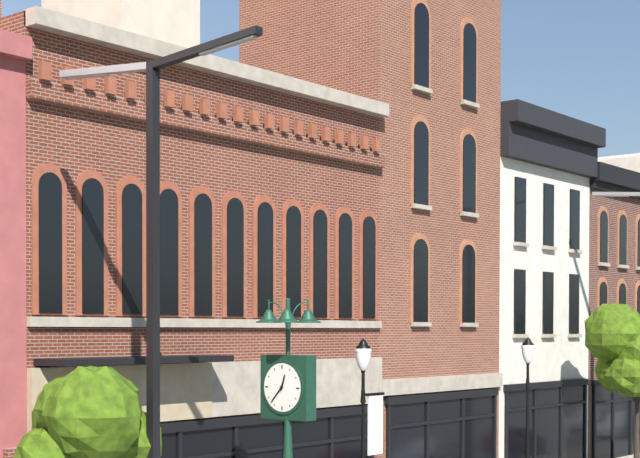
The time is 12h37
